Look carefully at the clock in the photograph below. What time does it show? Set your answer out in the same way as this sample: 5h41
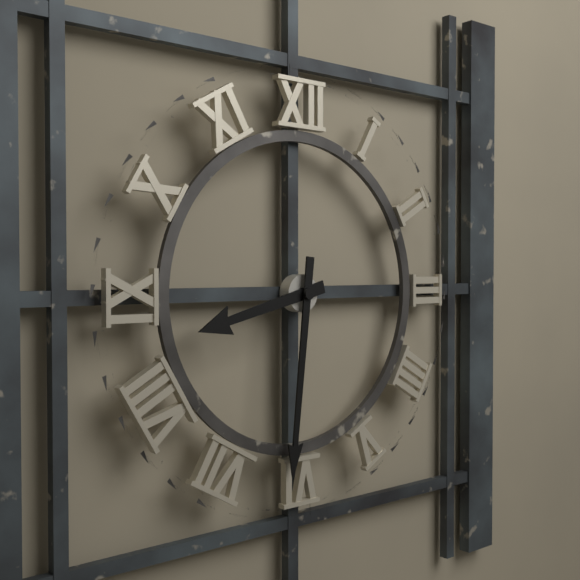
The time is 8h31
